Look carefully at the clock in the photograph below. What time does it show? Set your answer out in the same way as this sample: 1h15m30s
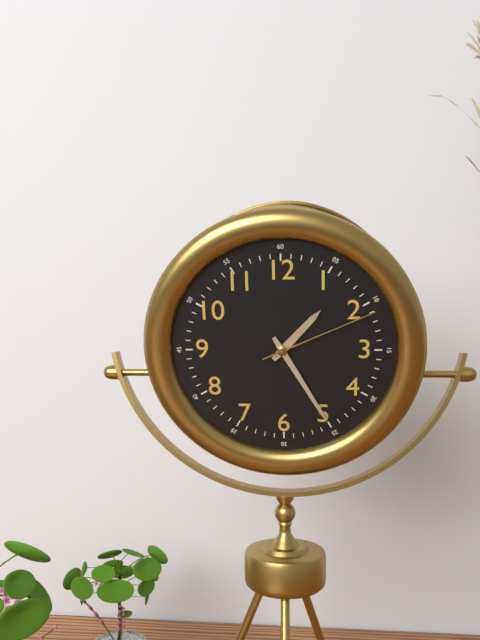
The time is 1h25m11s
